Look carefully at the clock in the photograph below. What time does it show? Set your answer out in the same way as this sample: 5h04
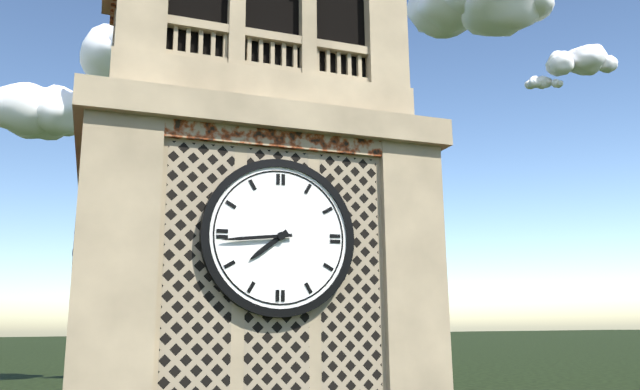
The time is 7h44
